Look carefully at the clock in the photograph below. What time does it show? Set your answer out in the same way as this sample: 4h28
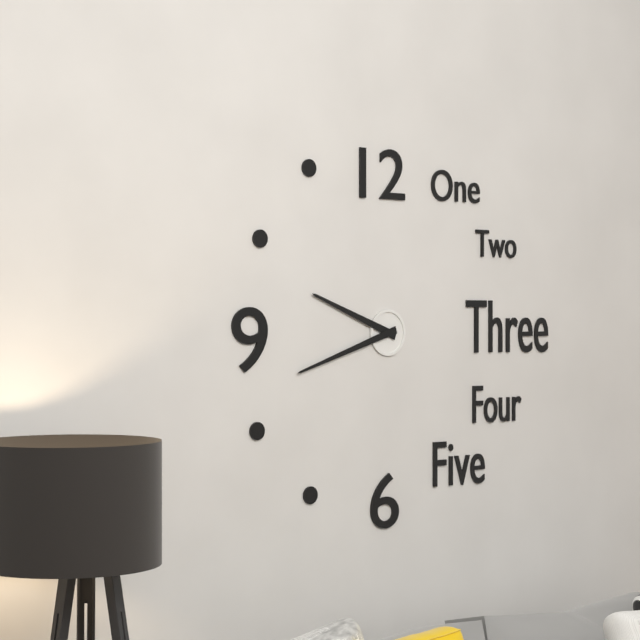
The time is 9h42
